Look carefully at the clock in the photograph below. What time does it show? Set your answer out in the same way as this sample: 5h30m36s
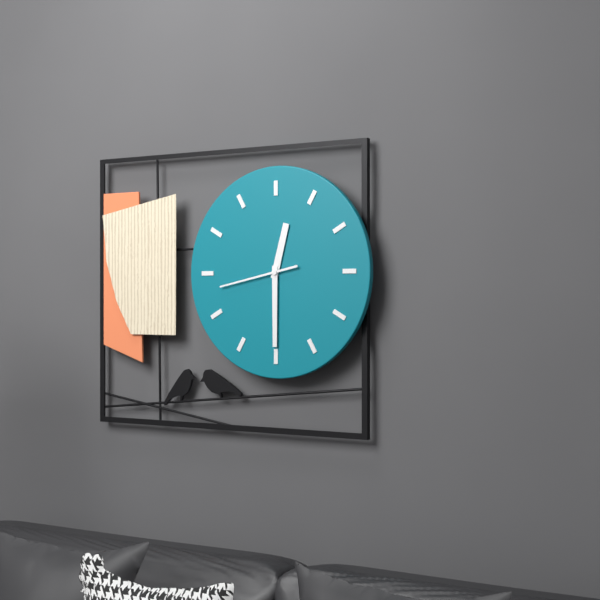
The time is 12h30m43s
